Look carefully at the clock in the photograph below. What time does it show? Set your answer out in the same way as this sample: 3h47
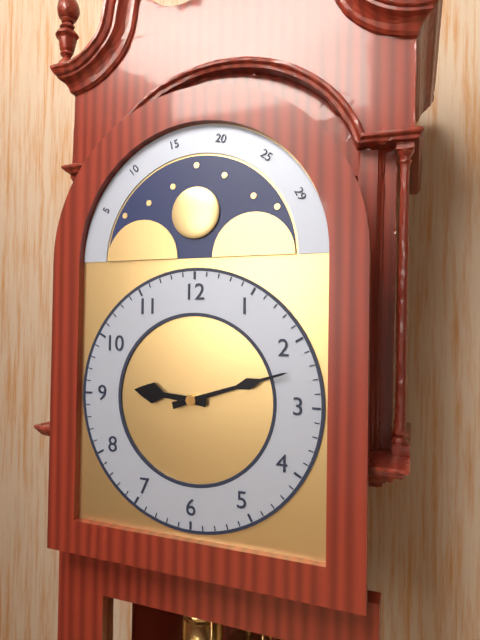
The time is 9h12
